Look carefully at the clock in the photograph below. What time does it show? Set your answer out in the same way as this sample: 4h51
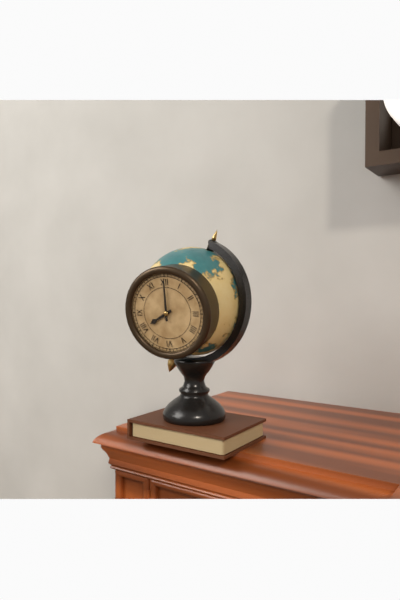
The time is 8h00
